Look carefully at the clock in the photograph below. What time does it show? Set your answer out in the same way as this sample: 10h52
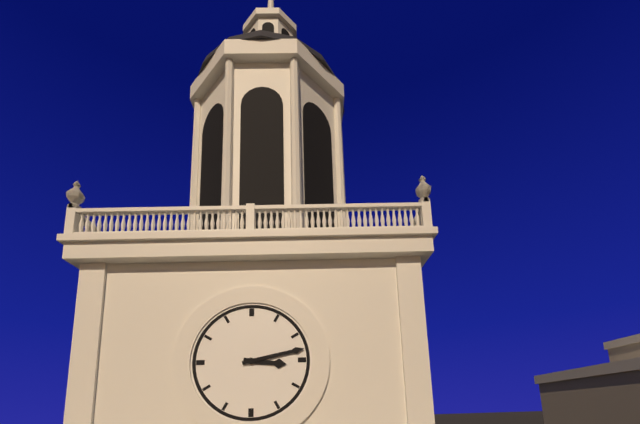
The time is 3h13
